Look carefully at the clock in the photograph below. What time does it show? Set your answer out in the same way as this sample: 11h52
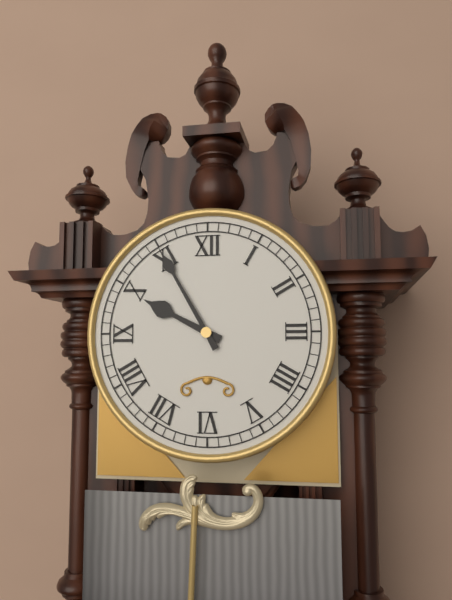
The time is 9h55
